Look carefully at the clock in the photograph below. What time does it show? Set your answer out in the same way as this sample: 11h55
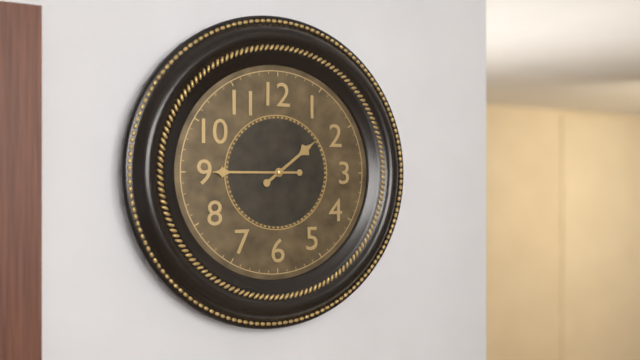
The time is 1h45
